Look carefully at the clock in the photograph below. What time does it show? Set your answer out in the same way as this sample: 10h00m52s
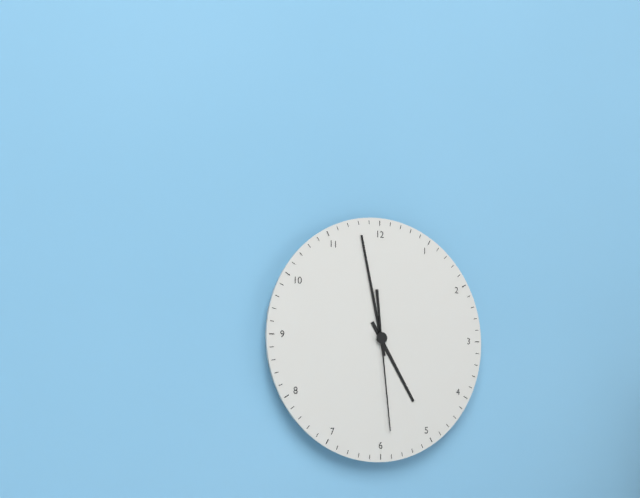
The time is 4h58m29s
